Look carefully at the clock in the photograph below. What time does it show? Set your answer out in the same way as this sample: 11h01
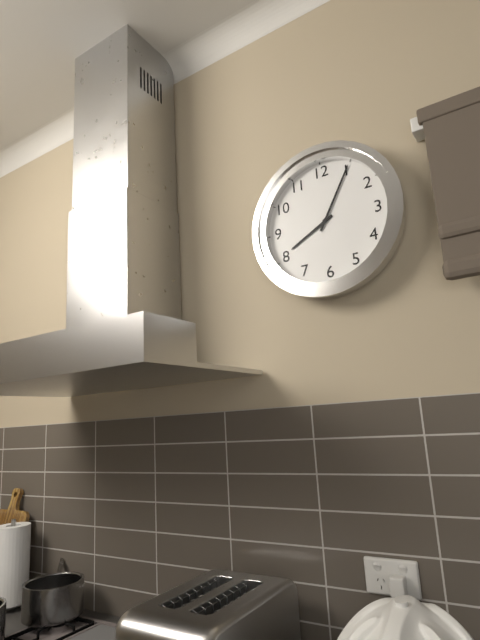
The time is 8h05
